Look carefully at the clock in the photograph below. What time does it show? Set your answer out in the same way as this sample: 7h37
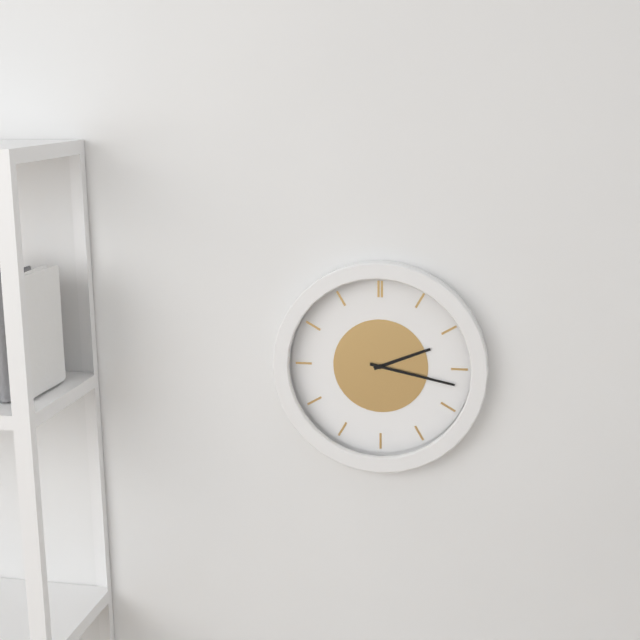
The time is 2h17
